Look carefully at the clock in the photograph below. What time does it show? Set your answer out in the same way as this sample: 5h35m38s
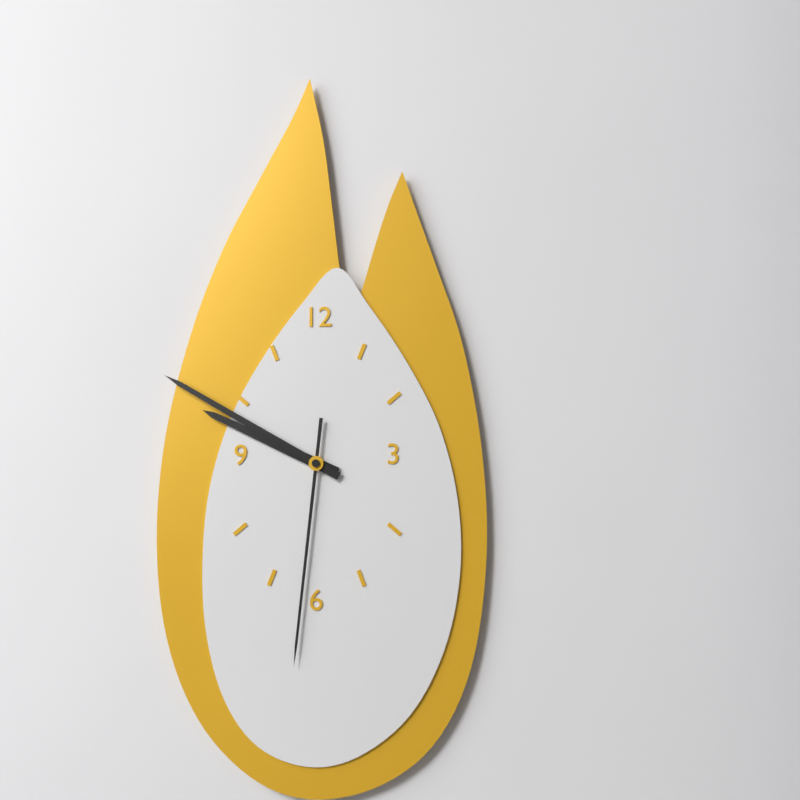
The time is 9h50m31s
